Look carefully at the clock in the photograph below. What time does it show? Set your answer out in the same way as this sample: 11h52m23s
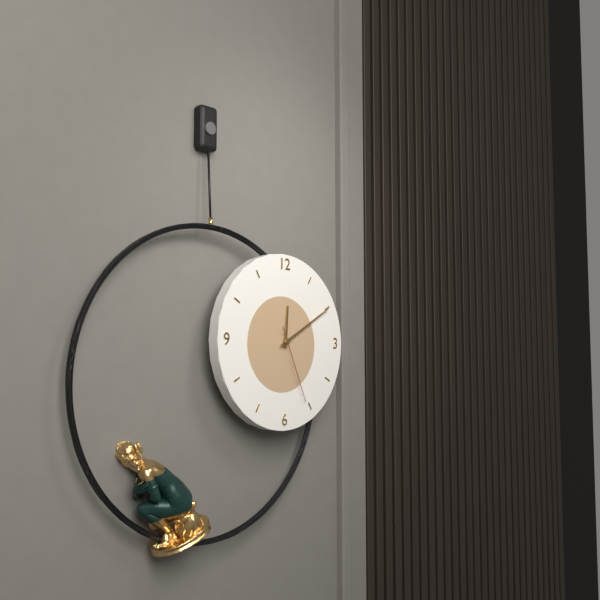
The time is 12h10m26s
